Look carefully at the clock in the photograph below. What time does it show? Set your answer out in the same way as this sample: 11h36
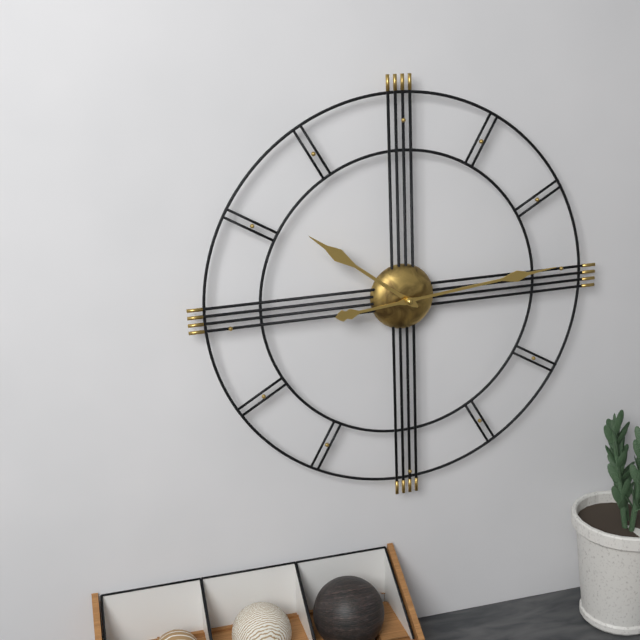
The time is 10h14
